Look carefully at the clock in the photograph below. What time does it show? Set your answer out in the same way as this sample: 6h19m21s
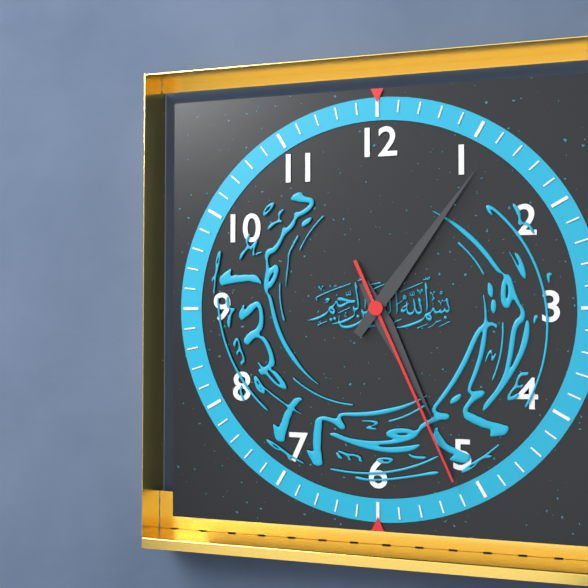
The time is 5h06m26s
